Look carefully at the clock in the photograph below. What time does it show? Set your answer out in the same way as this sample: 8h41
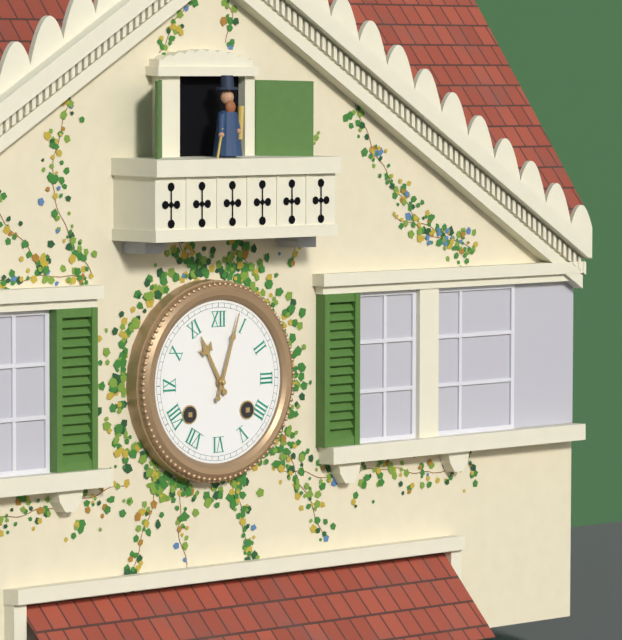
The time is 11h03
